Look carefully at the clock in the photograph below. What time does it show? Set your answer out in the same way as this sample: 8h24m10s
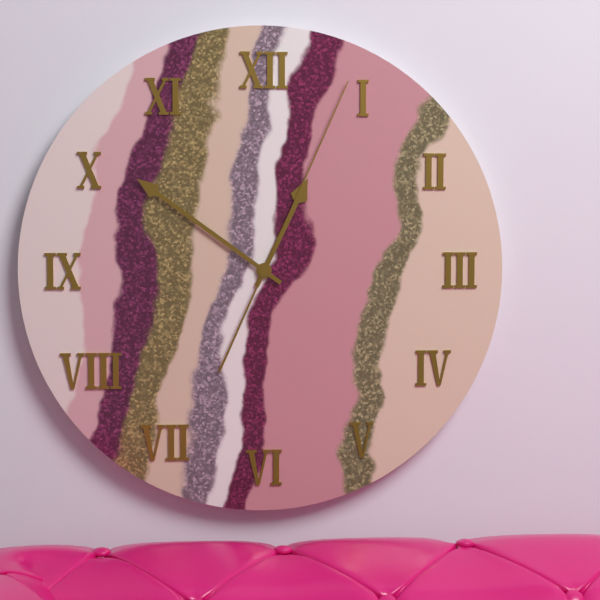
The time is 12h51m04s
